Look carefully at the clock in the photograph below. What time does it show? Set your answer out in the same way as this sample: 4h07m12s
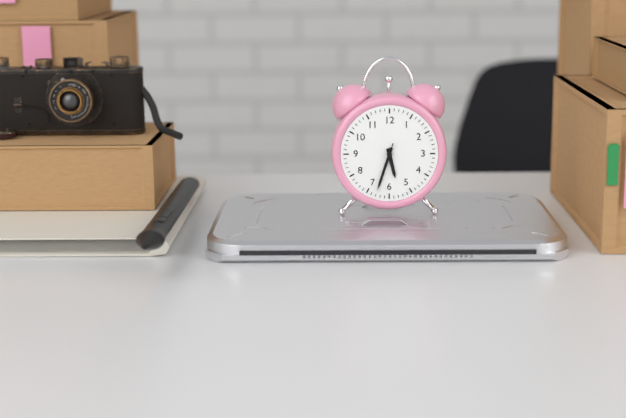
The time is 5h33m33s
